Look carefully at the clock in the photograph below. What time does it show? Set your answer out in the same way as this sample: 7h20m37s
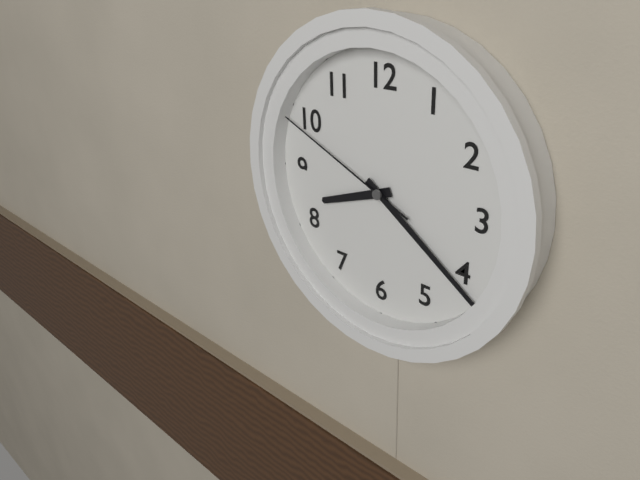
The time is 8h21m49s
